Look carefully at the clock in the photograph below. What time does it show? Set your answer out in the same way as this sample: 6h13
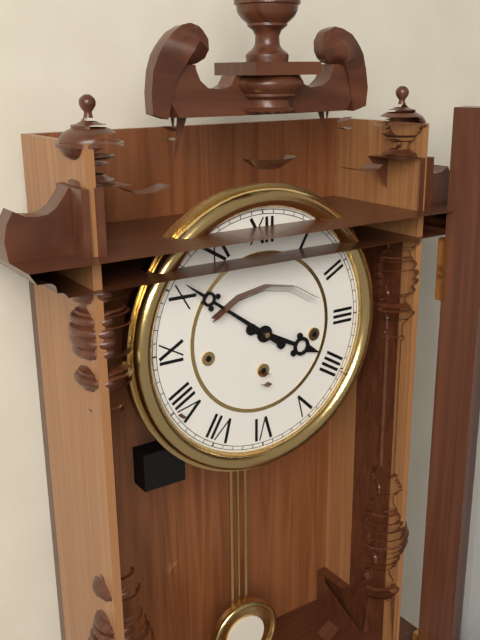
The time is 3h51
